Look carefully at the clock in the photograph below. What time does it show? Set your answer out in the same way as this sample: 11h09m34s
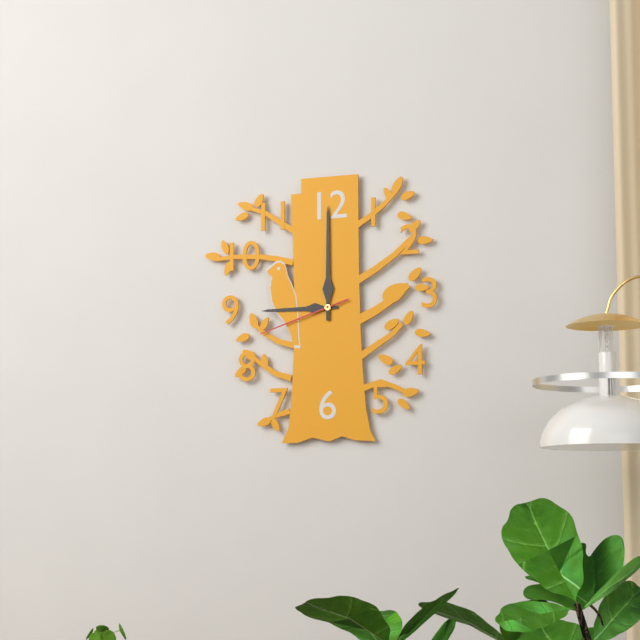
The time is 9h00m42s
